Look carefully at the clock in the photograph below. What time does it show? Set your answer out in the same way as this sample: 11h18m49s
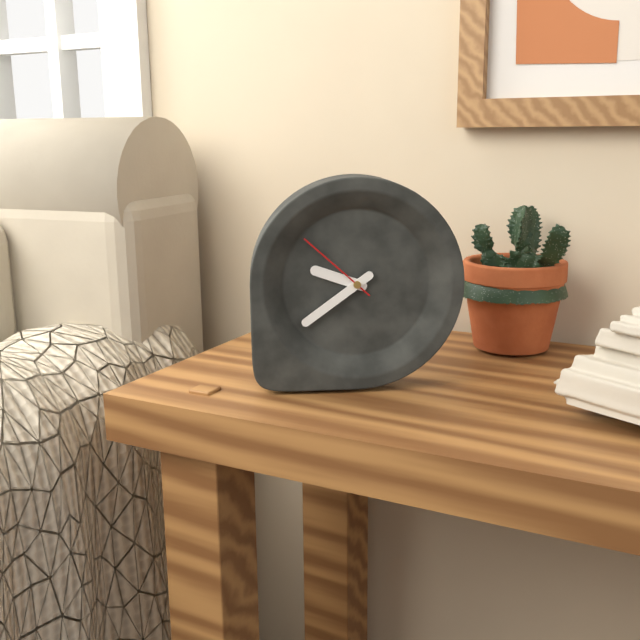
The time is 9h39m52s
